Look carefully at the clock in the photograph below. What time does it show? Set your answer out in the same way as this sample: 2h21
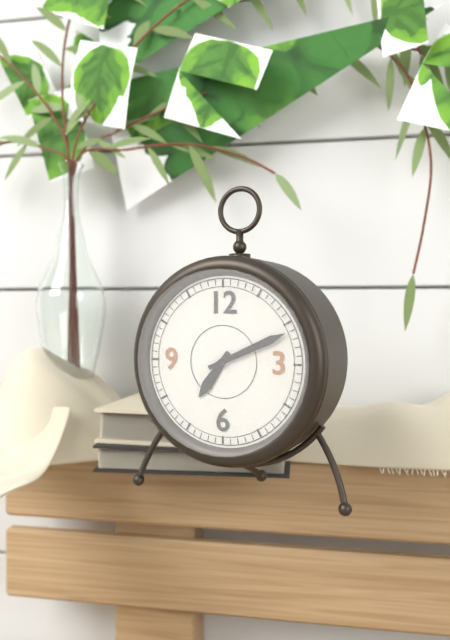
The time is 7h11
